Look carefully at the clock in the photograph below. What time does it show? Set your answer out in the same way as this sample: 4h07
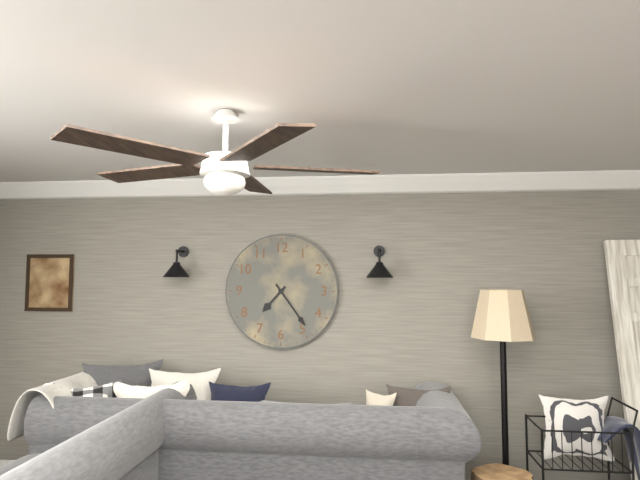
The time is 7h24
